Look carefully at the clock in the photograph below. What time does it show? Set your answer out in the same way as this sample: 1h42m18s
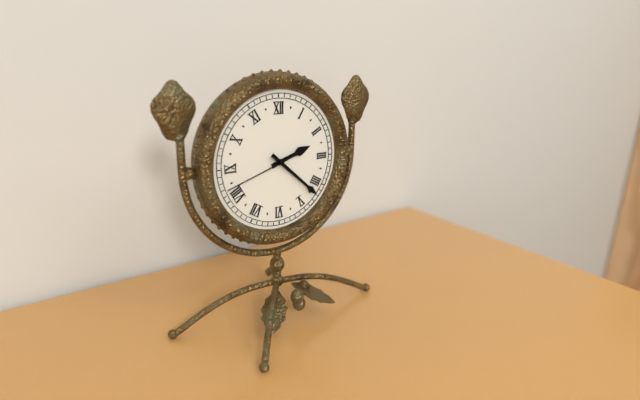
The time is 2h22m42s
